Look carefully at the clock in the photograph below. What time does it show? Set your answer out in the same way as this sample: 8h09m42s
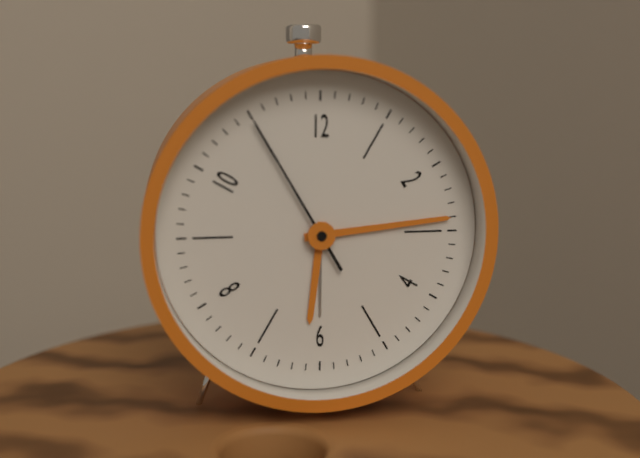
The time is 6h14m55s
